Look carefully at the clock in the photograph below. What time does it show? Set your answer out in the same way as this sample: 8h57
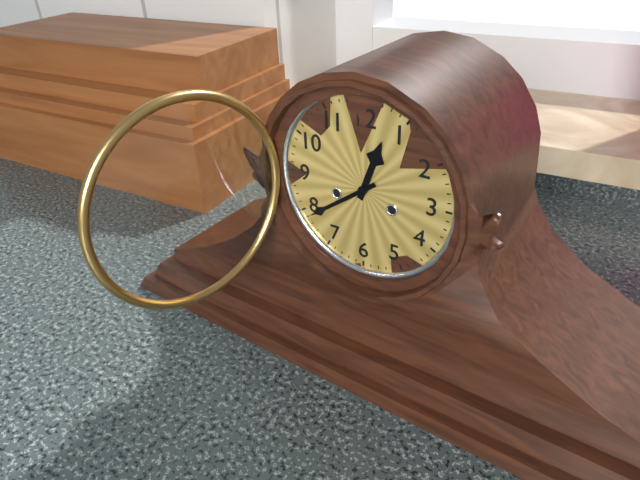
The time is 12h39
